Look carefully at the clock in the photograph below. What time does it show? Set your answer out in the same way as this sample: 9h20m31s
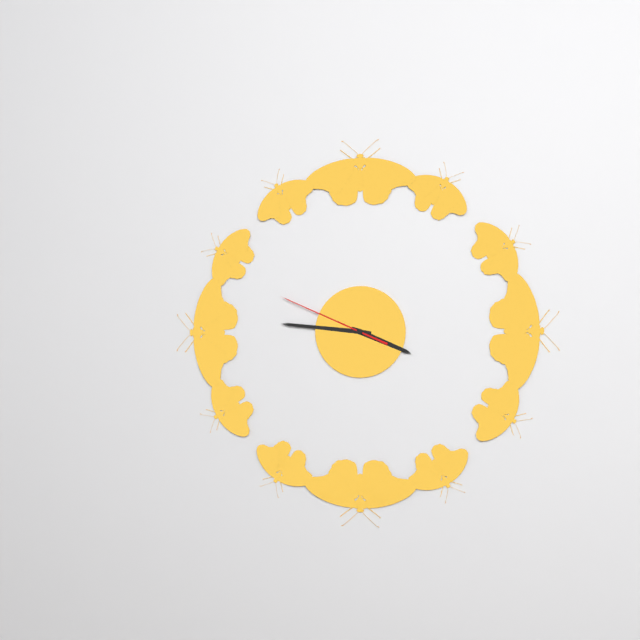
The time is 3h46m49s
